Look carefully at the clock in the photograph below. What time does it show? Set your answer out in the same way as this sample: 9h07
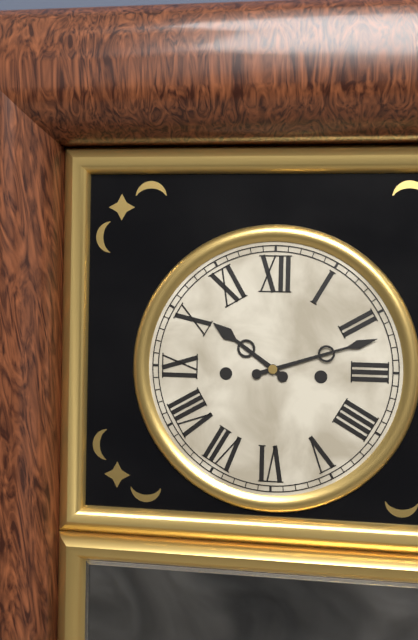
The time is 10h12
